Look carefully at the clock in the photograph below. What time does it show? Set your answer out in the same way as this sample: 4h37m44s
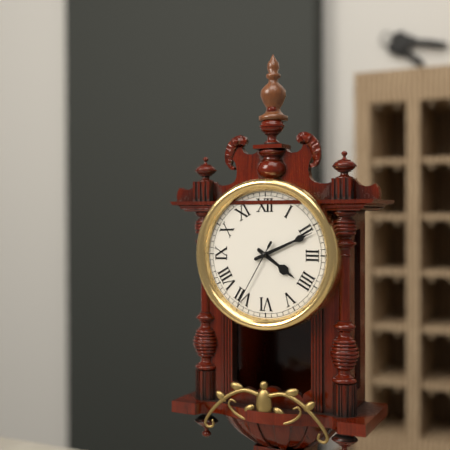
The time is 4h11m35s
